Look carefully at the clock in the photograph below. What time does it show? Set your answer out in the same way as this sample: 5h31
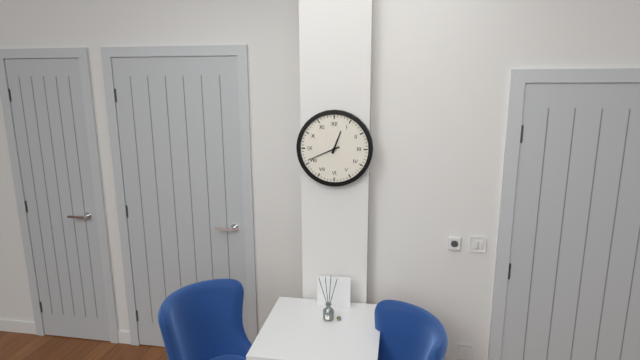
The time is 12h41
